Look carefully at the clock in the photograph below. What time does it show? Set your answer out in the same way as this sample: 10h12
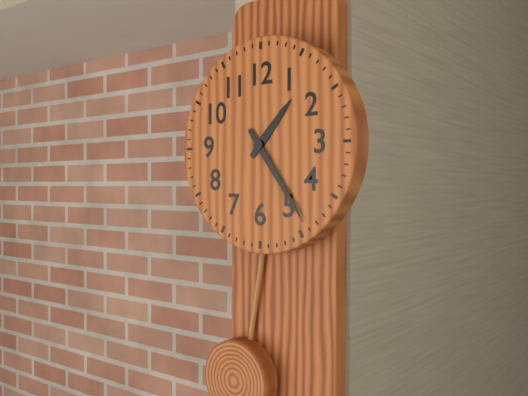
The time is 1h24
